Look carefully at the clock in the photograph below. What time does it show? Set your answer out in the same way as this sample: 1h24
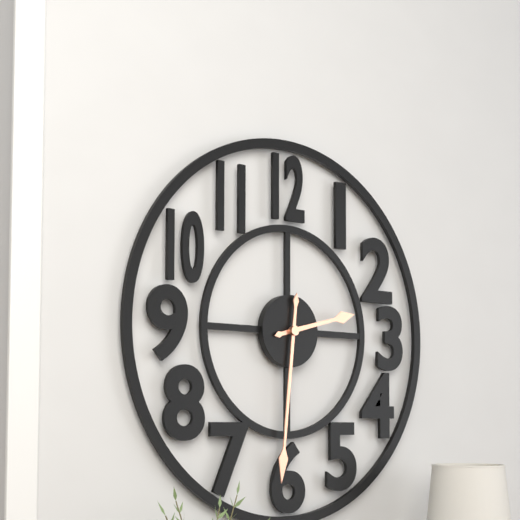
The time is 2h31
